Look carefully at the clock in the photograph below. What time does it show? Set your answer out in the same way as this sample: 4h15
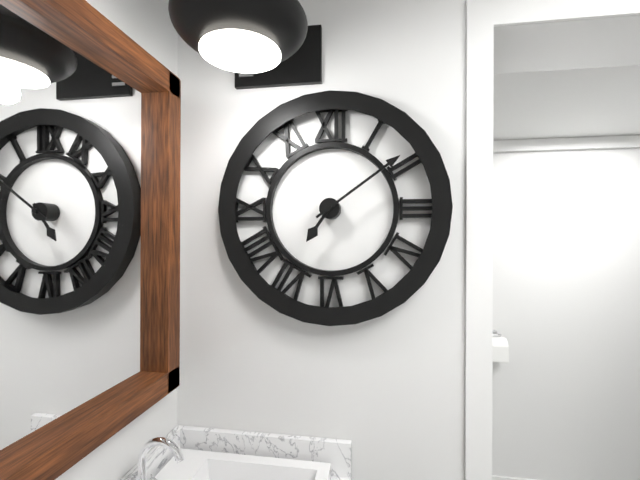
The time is 7h09
